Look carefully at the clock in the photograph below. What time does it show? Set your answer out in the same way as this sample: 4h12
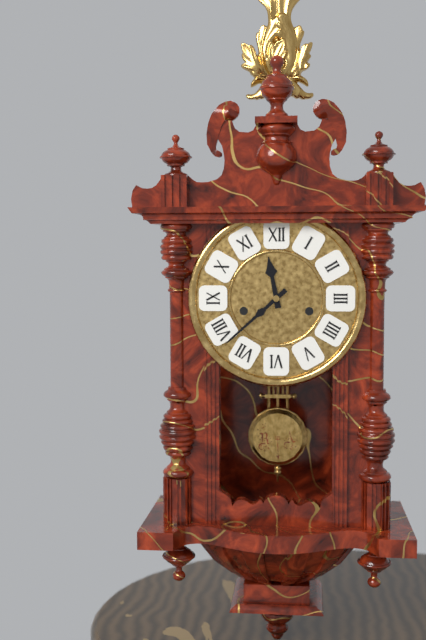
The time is 11h38
